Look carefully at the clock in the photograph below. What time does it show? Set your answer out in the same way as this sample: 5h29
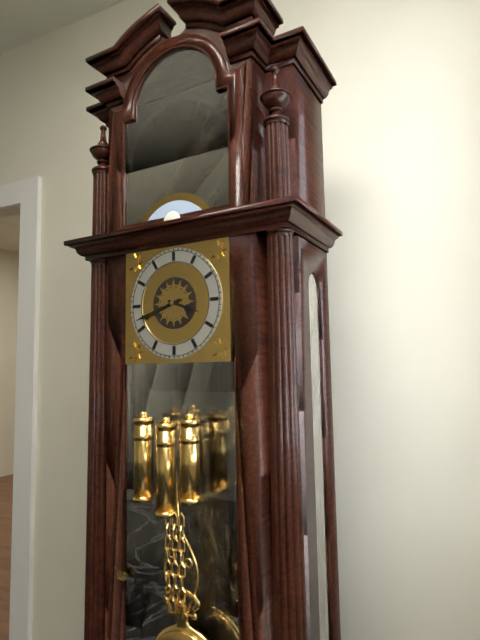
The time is 3h42
